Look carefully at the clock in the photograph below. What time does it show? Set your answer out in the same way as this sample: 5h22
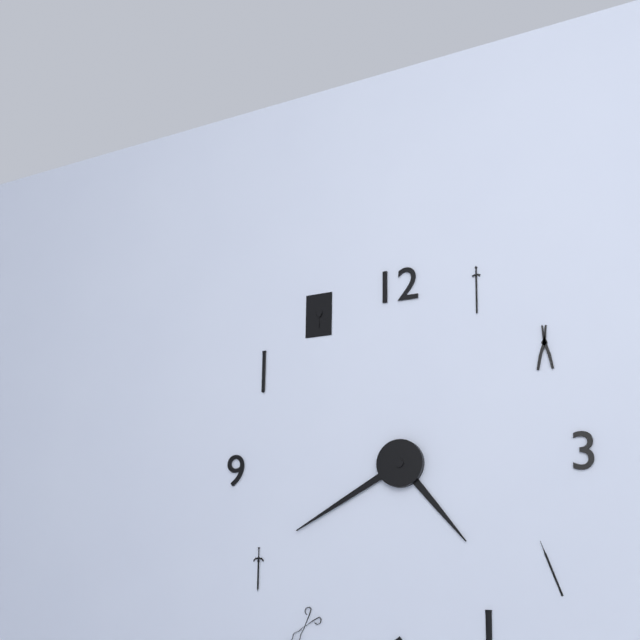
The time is 4h40
